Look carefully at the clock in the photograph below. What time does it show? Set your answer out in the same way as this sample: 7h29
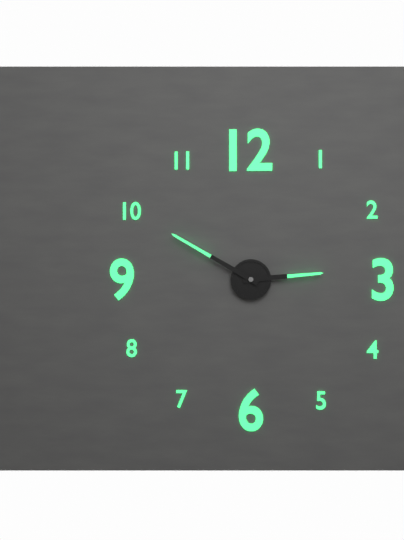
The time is 2h50
